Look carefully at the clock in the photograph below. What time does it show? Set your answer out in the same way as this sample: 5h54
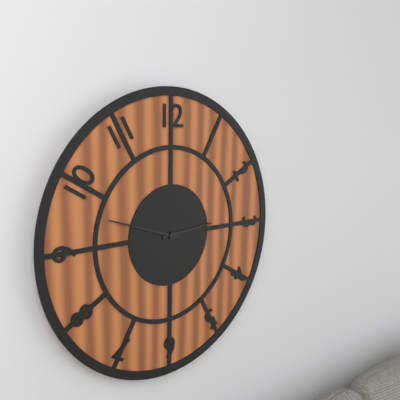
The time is 2h48
